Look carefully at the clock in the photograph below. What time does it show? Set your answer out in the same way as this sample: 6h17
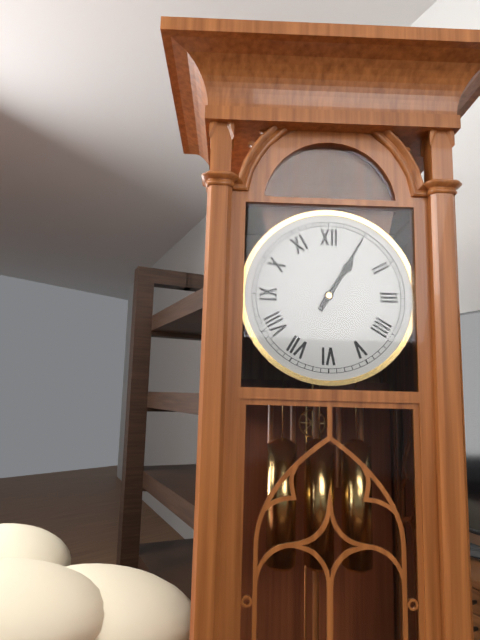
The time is 1h05
